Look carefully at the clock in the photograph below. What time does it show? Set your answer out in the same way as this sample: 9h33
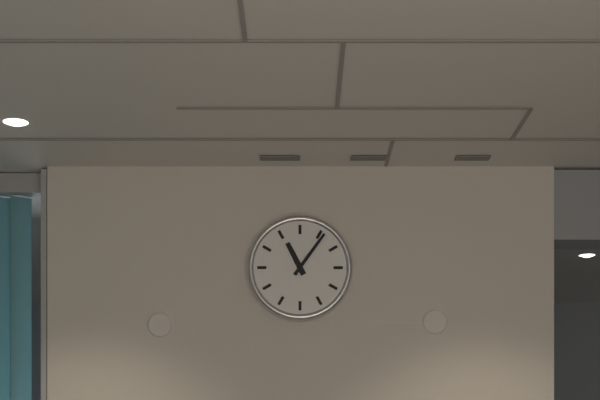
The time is 11h06
